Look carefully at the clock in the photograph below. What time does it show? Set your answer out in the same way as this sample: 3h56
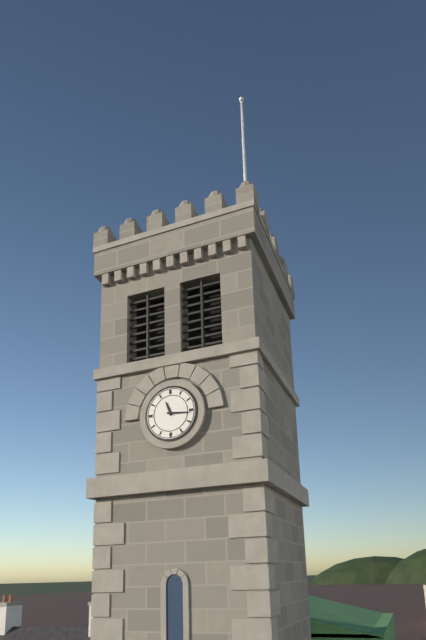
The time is 11h16
